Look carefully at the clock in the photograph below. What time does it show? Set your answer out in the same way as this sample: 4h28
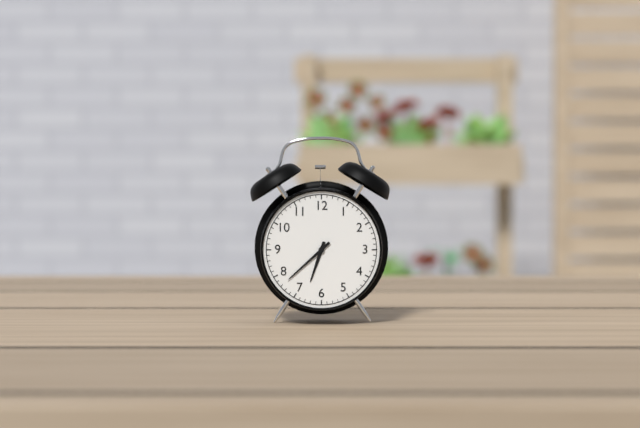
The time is 6h38
